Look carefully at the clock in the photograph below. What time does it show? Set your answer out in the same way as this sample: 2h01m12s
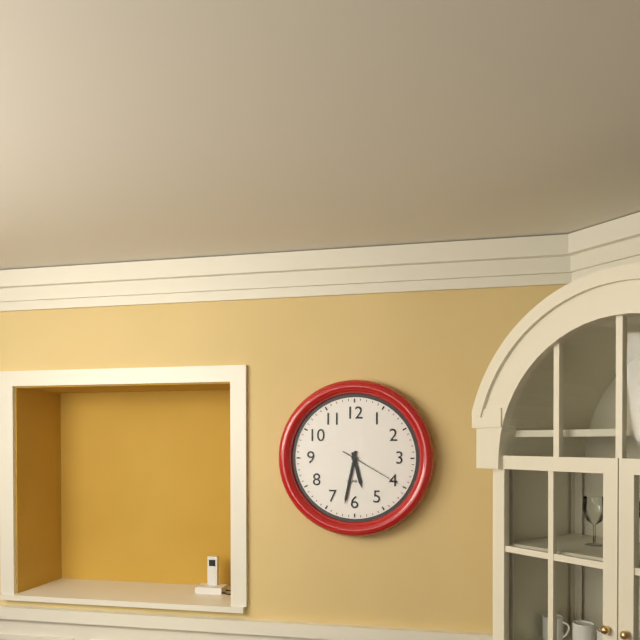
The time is 5h32m20s
